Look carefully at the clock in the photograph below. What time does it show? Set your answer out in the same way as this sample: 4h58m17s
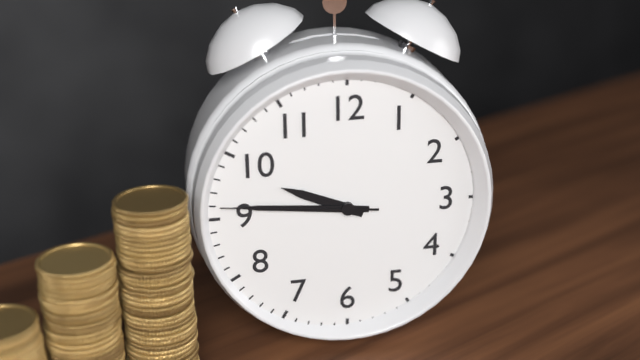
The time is 9h46m46s
